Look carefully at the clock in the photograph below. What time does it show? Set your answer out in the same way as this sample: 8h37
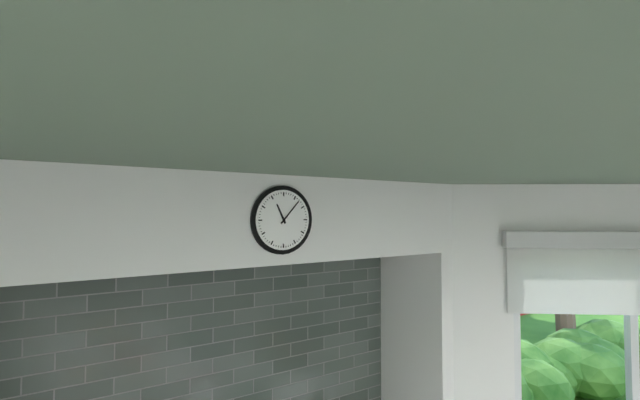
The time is 11h07
